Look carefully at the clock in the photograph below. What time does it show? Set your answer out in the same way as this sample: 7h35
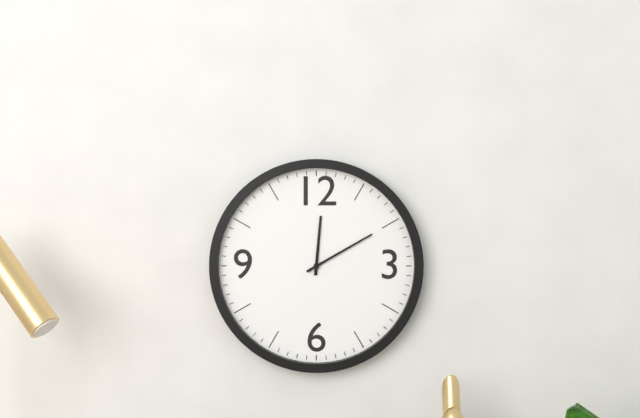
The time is 12h10
